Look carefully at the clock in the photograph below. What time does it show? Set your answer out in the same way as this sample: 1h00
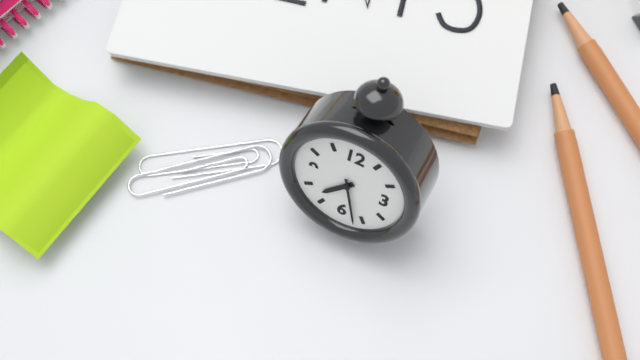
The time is 7h27
